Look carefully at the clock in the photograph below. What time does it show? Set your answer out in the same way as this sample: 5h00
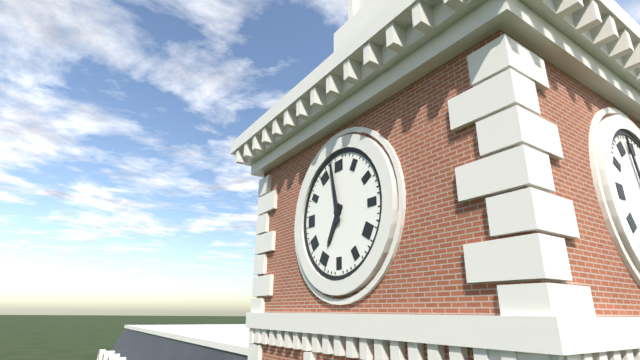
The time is 6h58
